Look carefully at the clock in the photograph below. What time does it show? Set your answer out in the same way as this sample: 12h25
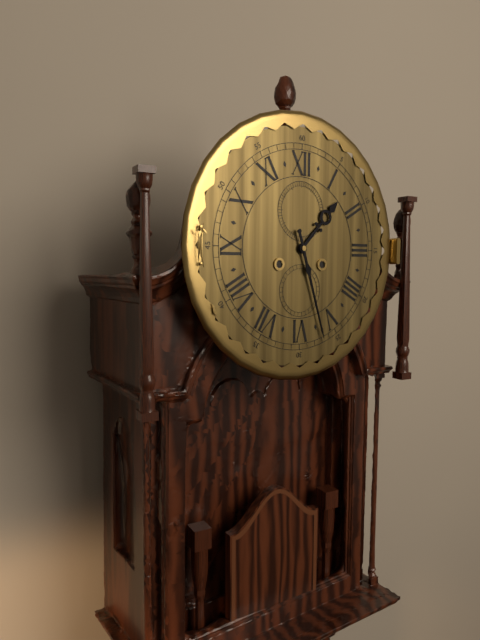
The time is 1h27
